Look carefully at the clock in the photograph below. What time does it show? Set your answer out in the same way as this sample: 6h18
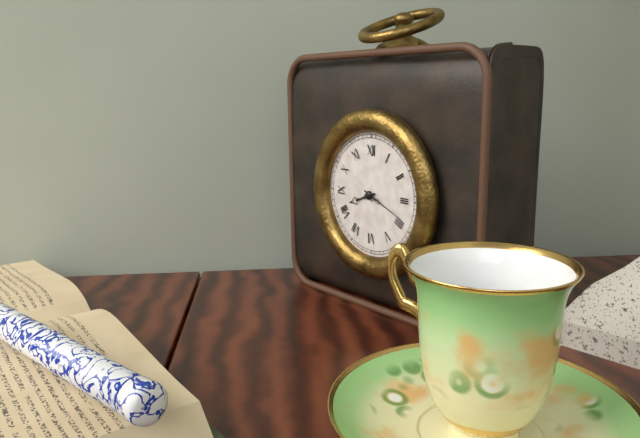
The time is 8h19
